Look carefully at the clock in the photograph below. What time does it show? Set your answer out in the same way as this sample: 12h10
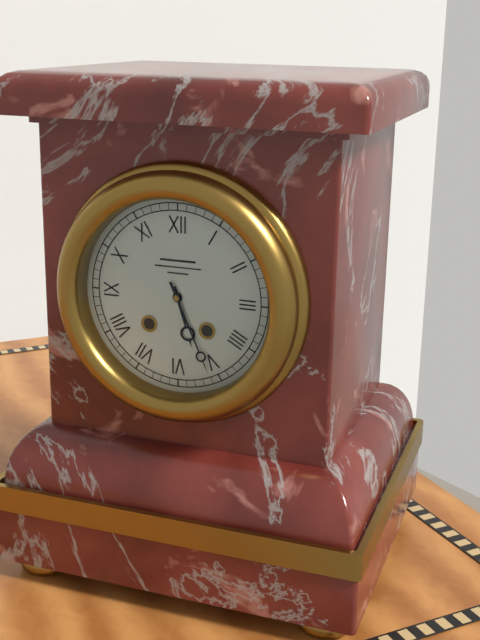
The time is 5h26
